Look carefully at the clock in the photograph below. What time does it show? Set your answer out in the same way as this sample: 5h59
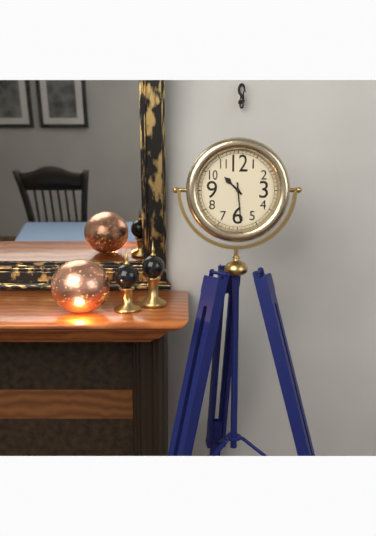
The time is 10h29
